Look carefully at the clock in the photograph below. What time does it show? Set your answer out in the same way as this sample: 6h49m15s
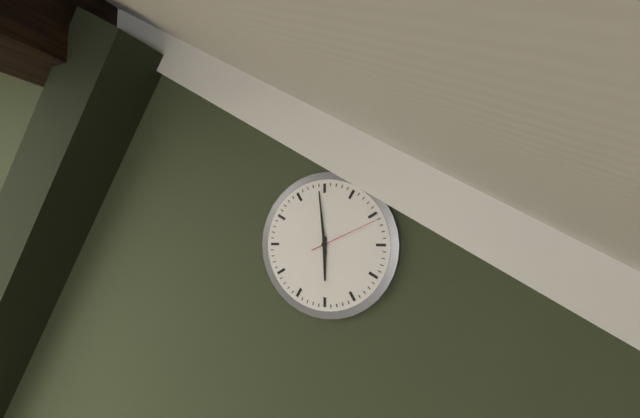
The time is 5h59m11s
